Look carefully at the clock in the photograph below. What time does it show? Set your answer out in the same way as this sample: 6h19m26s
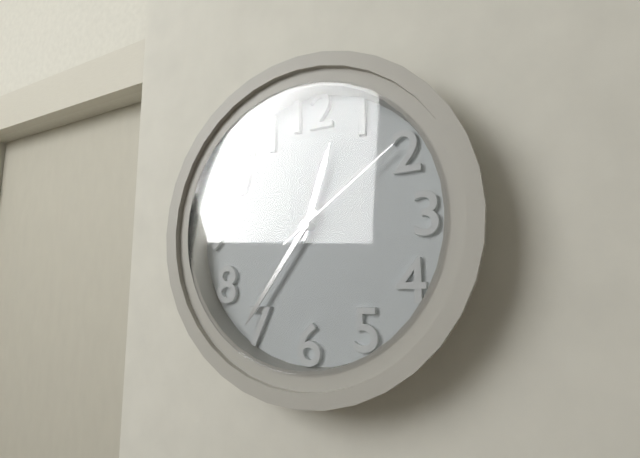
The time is 12h36m09s
